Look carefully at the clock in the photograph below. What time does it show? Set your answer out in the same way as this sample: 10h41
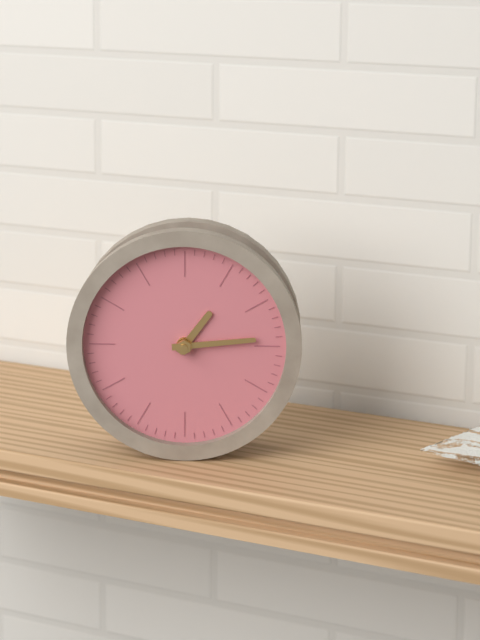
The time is 1h14
